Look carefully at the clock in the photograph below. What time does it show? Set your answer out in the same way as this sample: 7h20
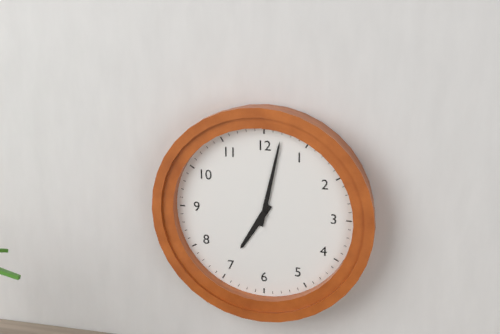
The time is 7h02
